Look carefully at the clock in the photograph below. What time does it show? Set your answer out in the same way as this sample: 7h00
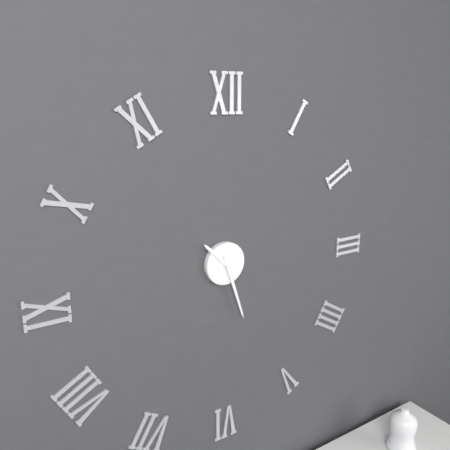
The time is 10h27
